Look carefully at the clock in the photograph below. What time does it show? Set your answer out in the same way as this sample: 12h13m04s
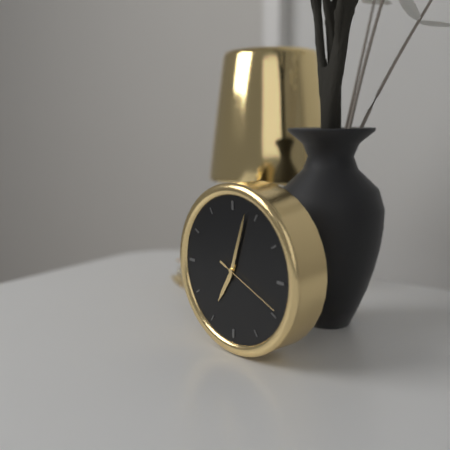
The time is 7h03m19s
